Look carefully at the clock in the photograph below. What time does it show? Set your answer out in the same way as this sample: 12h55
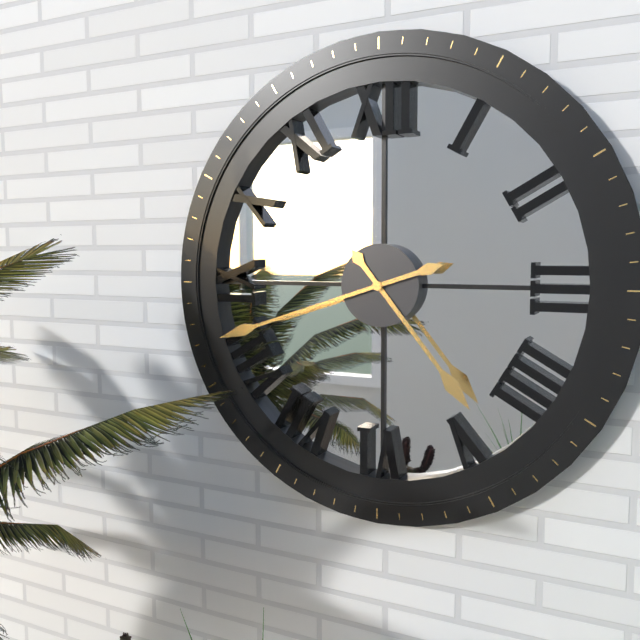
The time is 4h42
